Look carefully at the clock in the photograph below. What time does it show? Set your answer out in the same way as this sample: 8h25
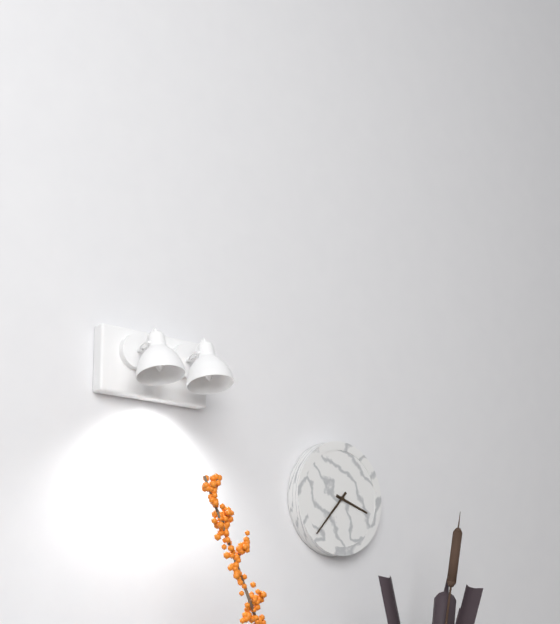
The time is 3h37
